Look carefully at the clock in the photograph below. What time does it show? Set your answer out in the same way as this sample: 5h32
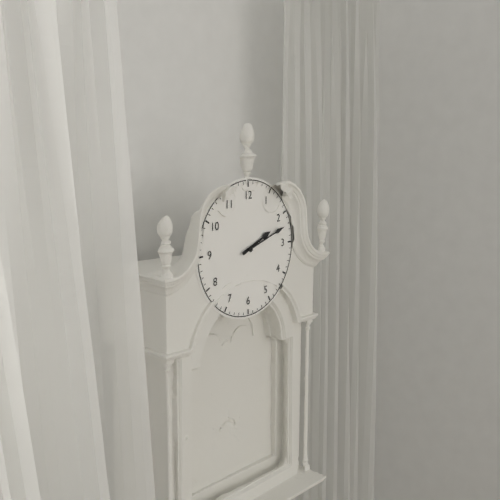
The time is 2h12
